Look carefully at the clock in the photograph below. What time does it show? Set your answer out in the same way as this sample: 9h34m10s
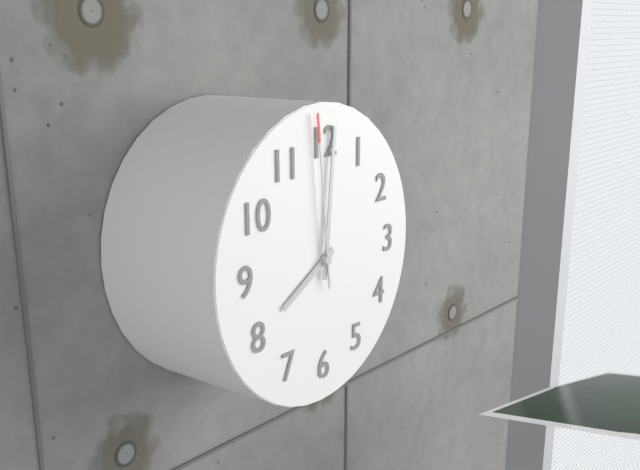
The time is 8h01m59s
